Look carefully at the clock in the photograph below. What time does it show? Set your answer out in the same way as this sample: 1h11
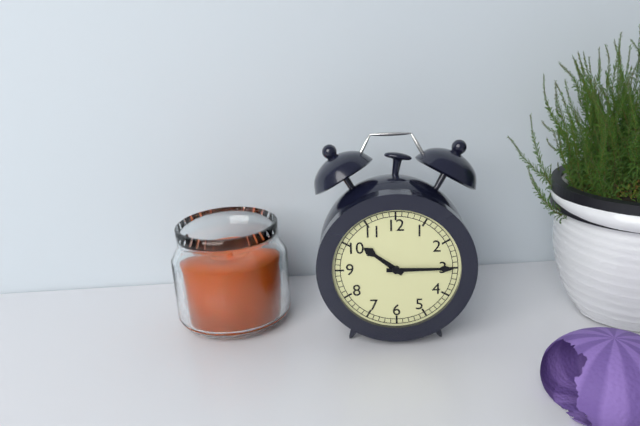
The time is 10h15
